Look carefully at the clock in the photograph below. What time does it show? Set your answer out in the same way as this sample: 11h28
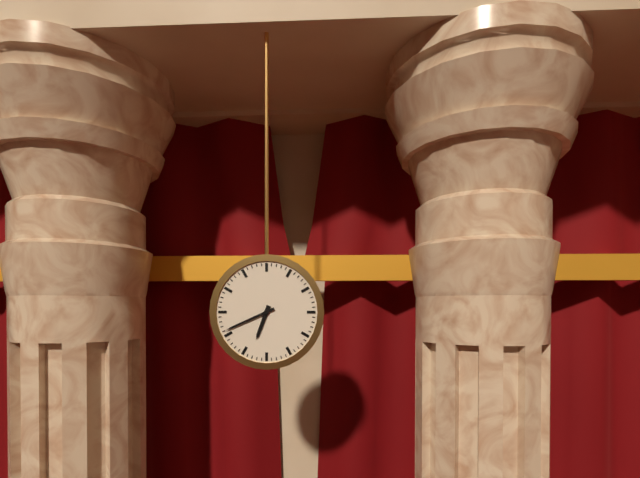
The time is 6h41
